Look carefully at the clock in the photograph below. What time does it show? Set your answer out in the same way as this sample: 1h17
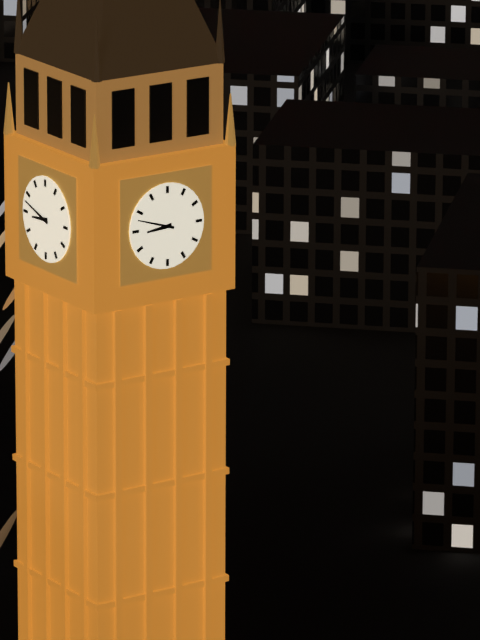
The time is 8h48
